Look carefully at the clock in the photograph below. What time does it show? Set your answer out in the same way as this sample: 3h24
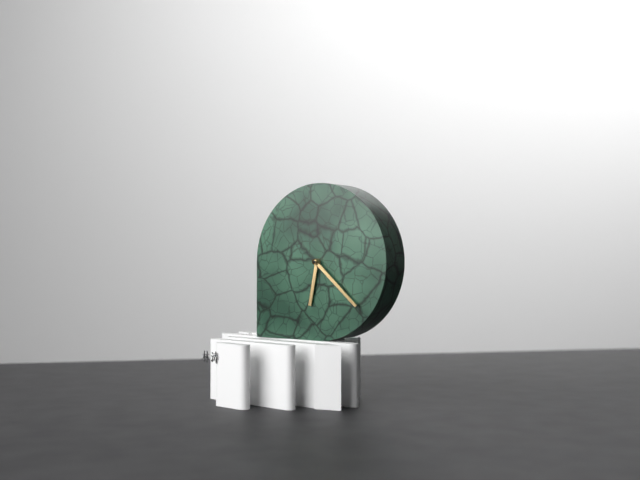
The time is 6h22
